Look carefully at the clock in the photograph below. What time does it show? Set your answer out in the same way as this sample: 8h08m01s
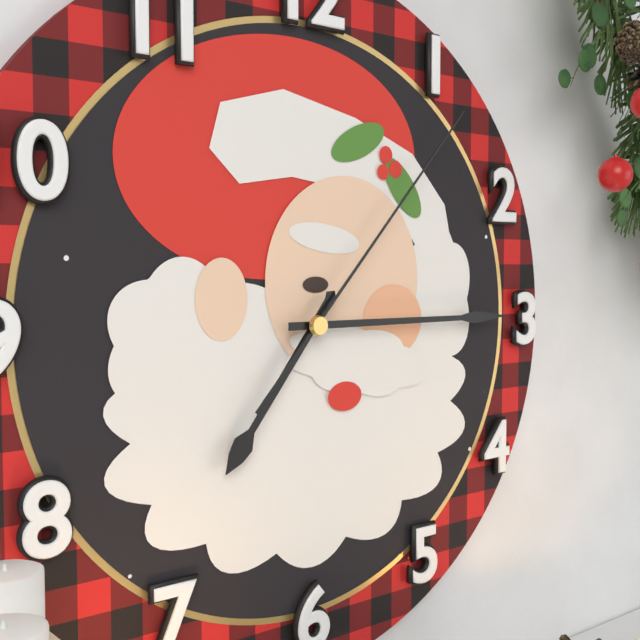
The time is 7h15m07s
